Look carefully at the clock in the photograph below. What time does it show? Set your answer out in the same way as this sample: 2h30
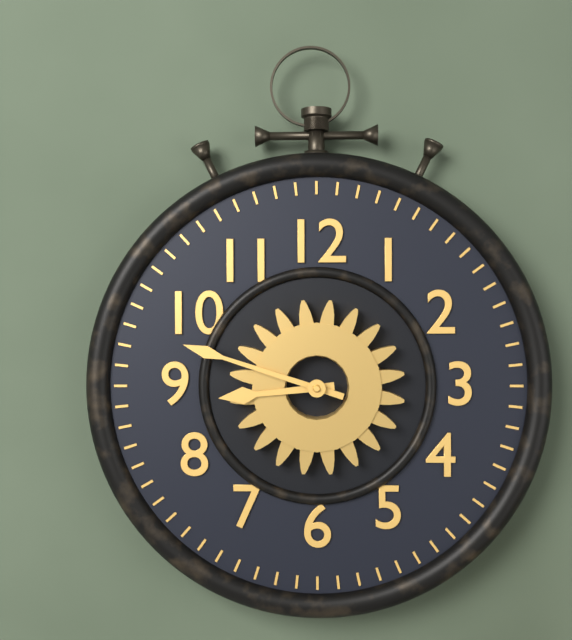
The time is 8h48
